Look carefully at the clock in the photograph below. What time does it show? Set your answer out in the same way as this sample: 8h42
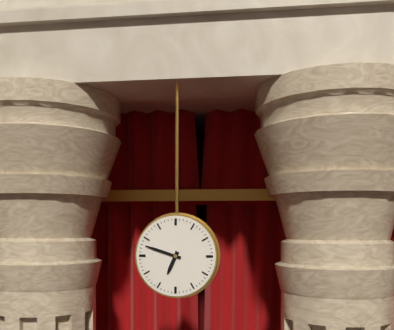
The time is 6h48
